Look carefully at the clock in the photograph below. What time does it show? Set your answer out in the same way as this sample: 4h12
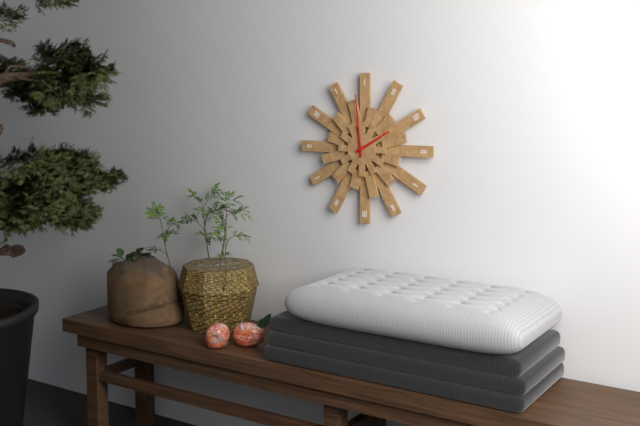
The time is 1h59
